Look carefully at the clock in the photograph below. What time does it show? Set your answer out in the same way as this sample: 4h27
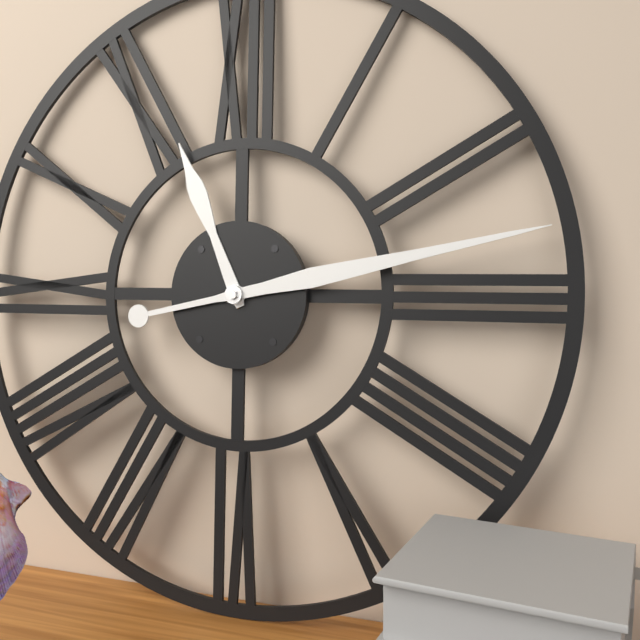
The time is 11h13
